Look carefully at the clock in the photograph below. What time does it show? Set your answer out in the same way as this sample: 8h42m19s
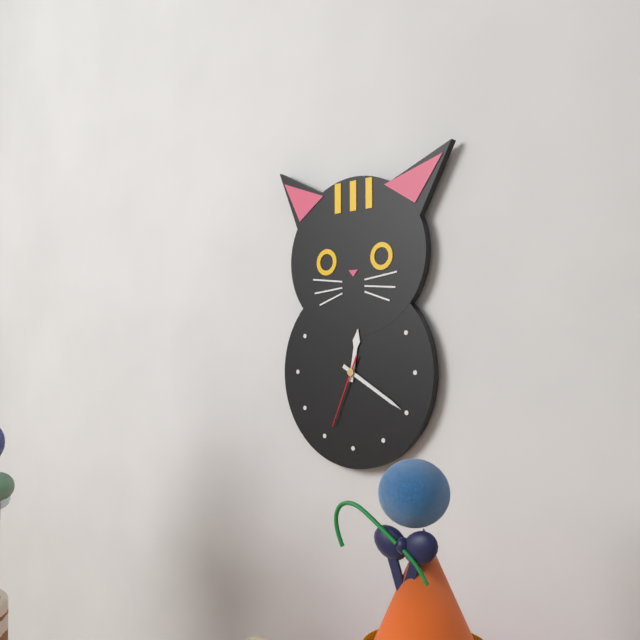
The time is 12h20m34s
